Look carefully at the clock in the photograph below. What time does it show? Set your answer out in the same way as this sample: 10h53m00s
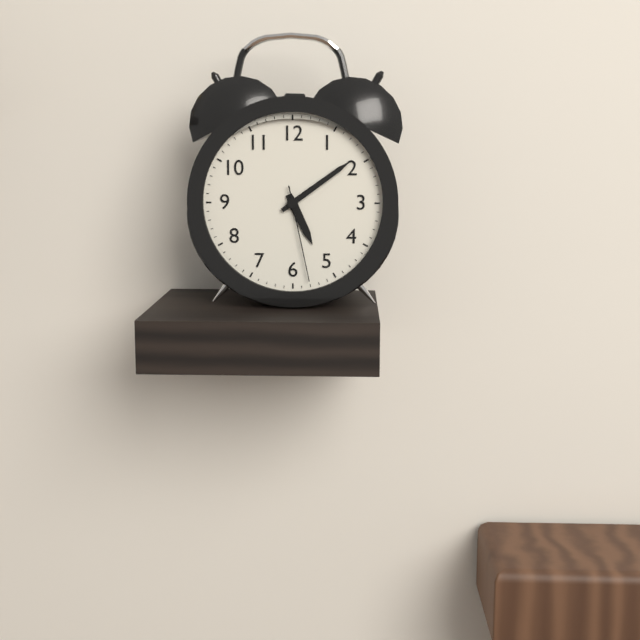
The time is 5h09m28s
